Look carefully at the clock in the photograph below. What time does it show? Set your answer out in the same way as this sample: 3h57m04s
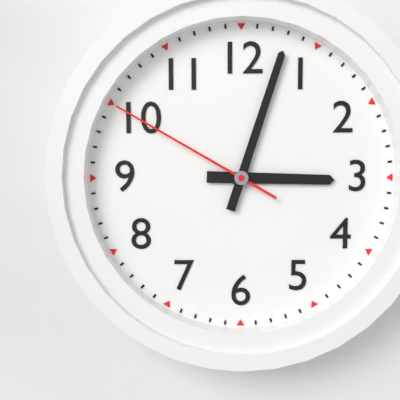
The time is 3h03m50s
